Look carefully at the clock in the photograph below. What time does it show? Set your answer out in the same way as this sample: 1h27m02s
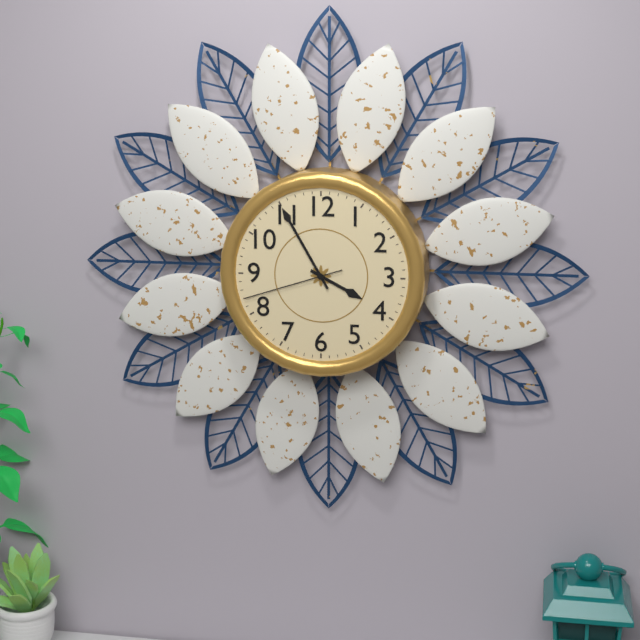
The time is 3h55m42s
